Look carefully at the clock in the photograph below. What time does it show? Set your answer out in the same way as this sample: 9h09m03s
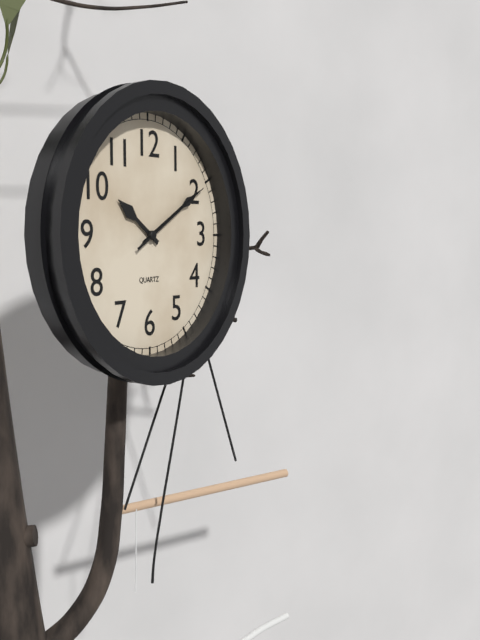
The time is 10h10m10s
